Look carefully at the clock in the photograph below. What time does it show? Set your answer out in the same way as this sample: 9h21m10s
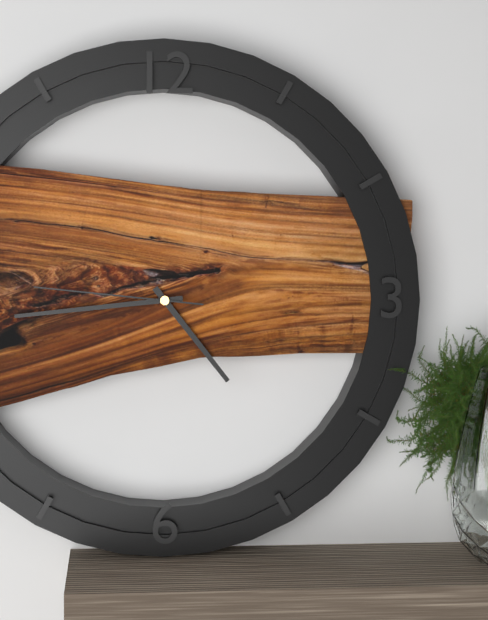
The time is 4h44m46s
